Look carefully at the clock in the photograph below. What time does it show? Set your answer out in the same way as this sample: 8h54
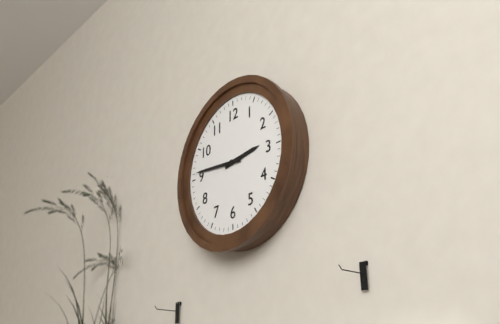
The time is 2h46
